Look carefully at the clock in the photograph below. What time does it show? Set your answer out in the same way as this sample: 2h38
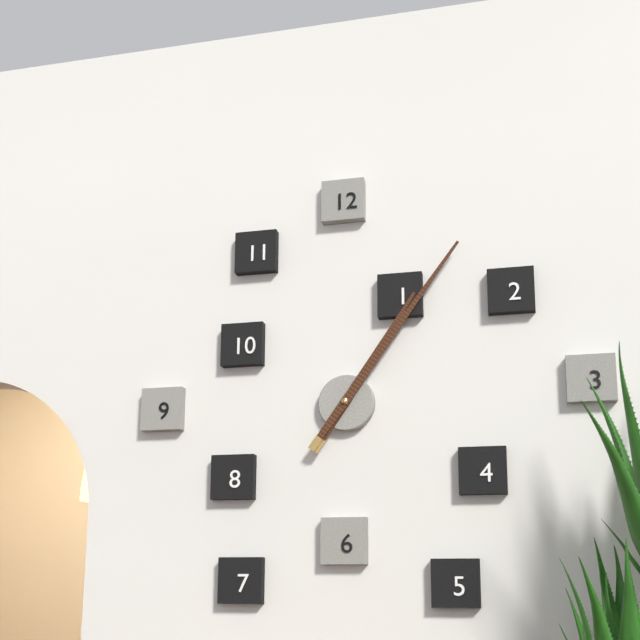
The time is 1h06
